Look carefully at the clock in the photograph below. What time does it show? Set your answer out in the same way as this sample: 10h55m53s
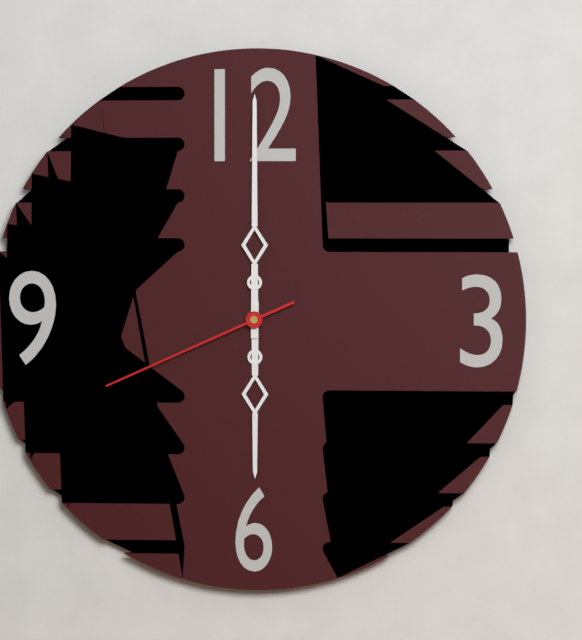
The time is 6h00m41s
